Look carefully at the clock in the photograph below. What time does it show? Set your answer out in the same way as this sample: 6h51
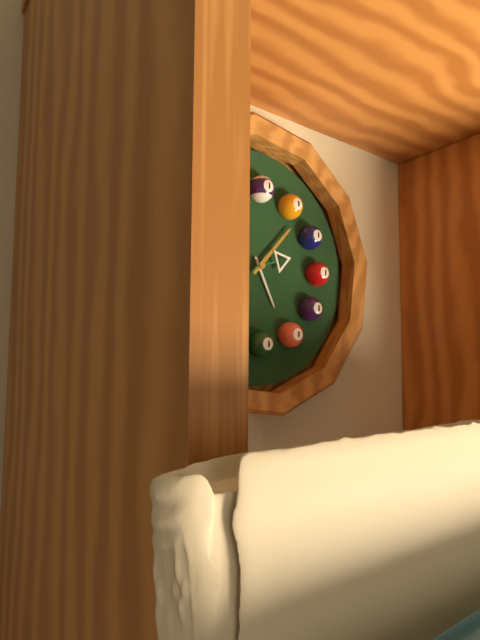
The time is 5h07
